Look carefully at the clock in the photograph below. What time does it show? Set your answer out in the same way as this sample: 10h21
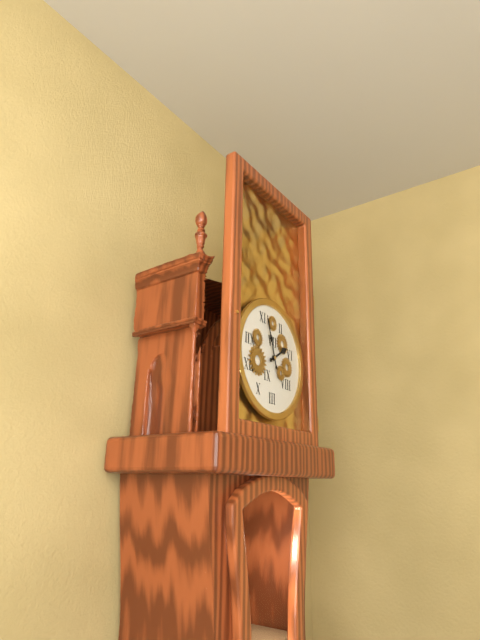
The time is 1h57
